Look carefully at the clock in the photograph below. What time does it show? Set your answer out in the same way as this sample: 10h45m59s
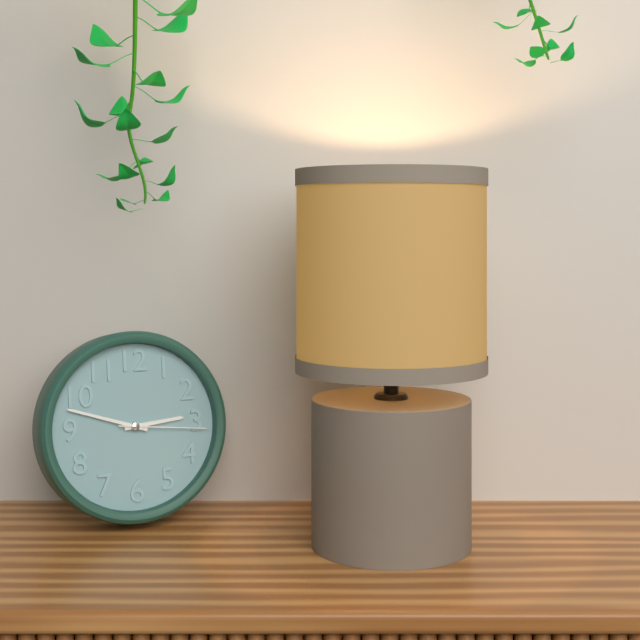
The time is 2h48m16s
